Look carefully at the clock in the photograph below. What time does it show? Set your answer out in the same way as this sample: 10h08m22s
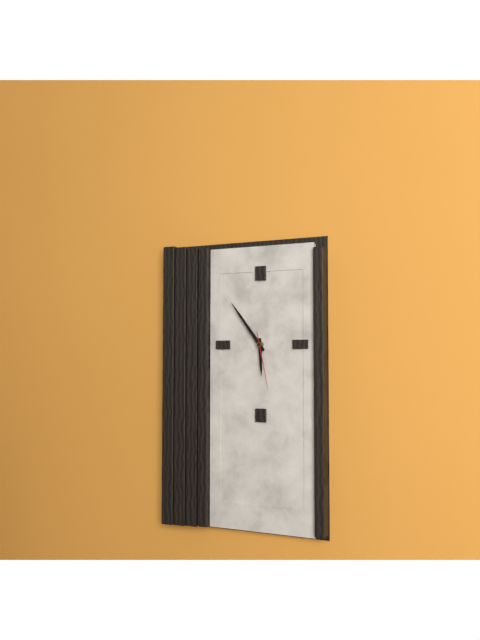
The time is 5h54m28s
